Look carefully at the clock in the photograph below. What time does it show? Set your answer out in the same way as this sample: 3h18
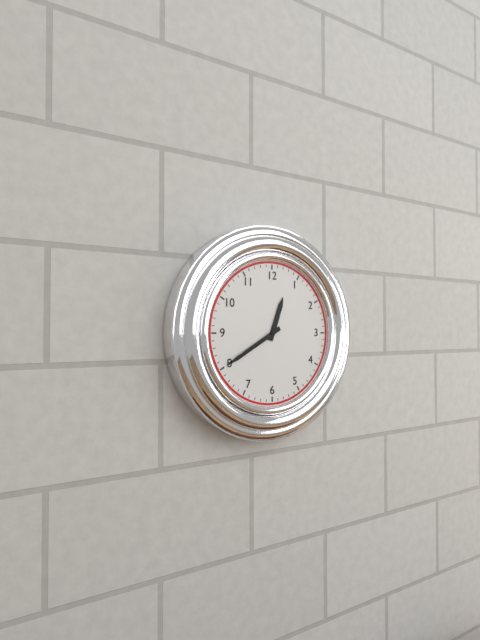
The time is 12h40
